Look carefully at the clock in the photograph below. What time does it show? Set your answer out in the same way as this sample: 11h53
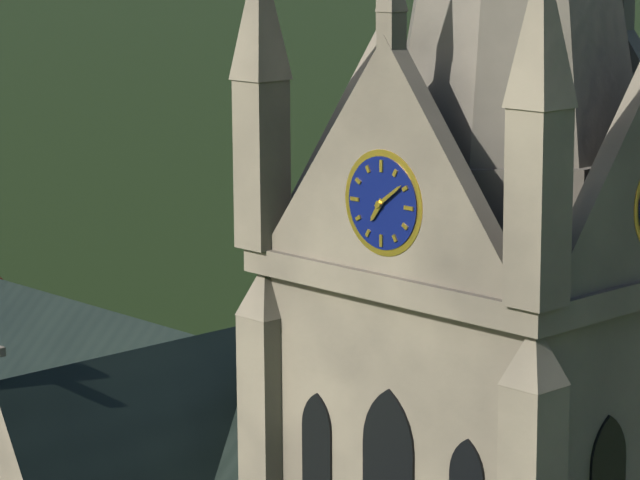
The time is 7h09
